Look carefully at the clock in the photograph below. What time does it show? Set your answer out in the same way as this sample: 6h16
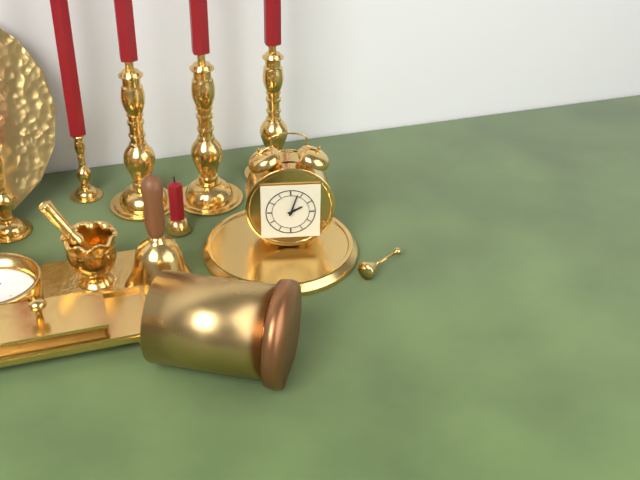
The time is 2h03
